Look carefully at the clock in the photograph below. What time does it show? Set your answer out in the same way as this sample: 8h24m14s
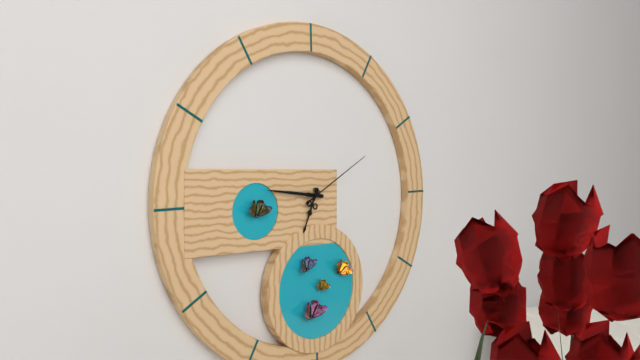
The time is 6h46m10s
